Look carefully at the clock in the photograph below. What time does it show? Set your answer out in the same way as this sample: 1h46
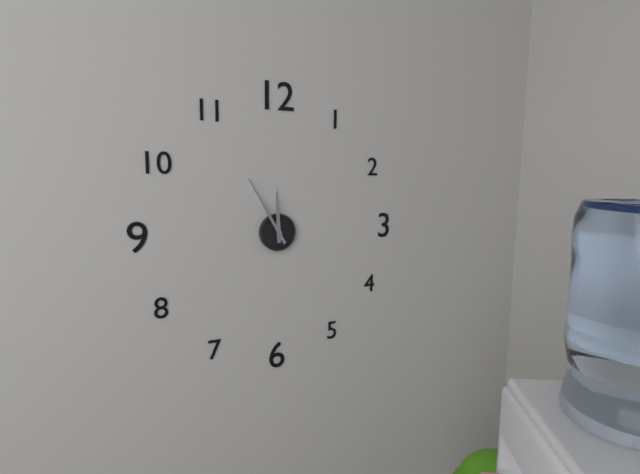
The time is 11h55
